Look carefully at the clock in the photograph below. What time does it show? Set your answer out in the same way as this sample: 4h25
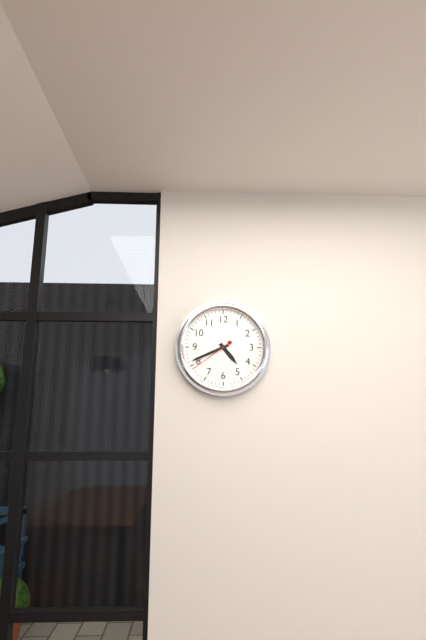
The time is 4h41
